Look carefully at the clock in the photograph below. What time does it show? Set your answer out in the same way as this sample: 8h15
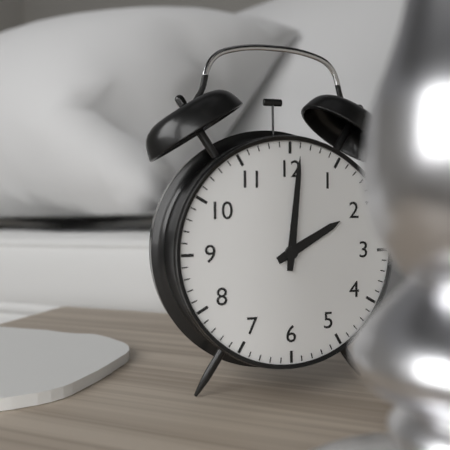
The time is 2h01
